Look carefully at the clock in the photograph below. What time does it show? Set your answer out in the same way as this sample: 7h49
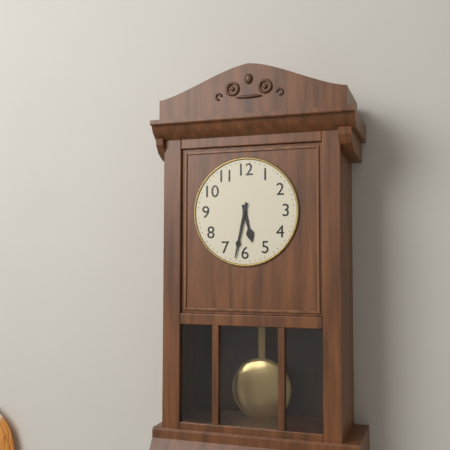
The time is 5h32
